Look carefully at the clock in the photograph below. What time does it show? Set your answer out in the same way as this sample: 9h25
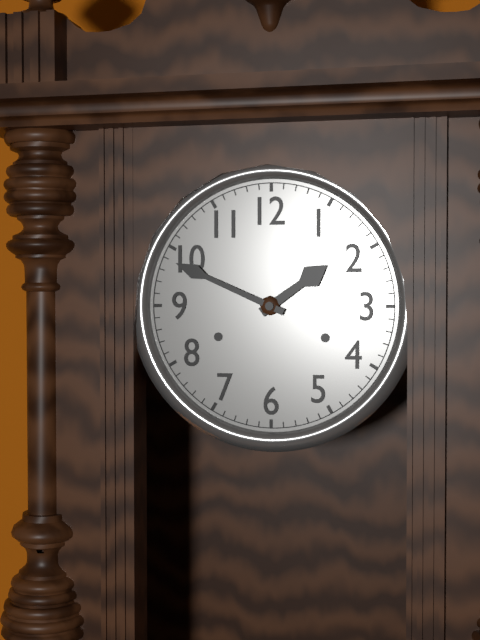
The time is 1h49
